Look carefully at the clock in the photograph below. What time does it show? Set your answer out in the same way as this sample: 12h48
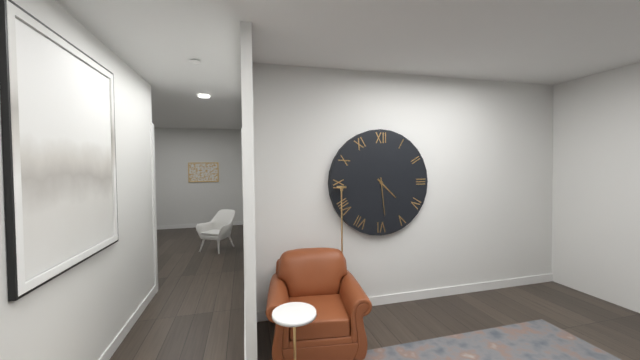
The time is 4h29
